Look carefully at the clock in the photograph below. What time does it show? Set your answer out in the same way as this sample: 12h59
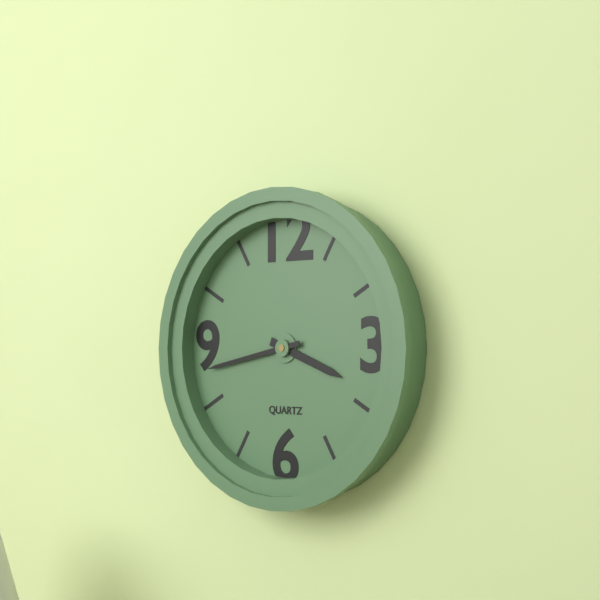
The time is 3h43
